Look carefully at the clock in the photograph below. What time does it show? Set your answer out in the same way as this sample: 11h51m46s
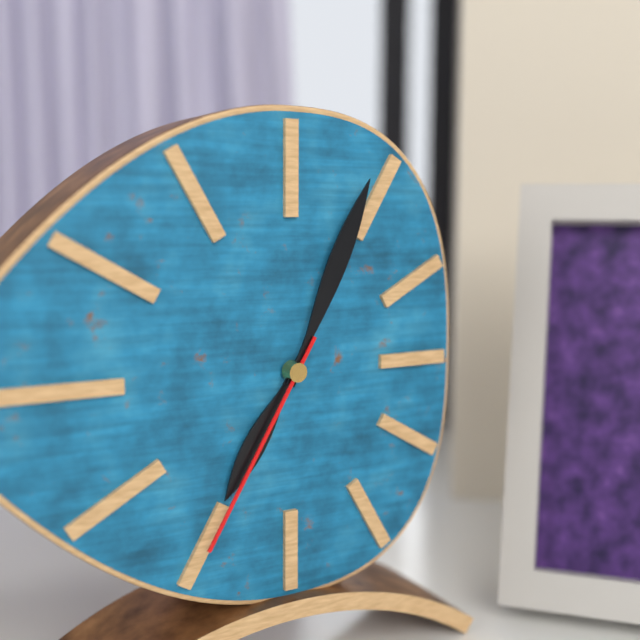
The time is 7h04m35s
